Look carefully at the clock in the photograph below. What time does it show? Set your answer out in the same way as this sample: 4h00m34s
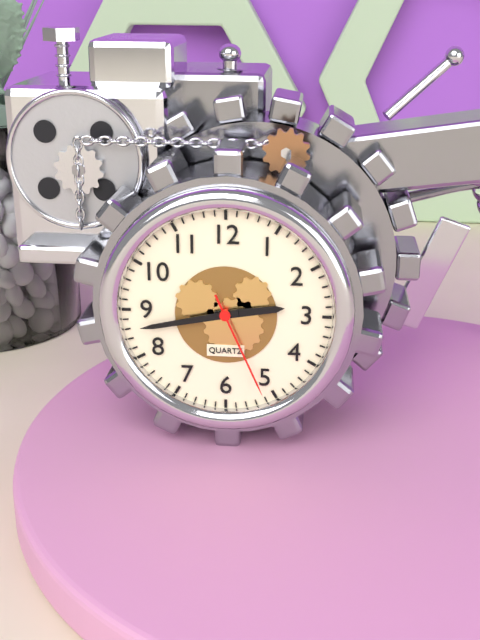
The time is 2h43m26s
